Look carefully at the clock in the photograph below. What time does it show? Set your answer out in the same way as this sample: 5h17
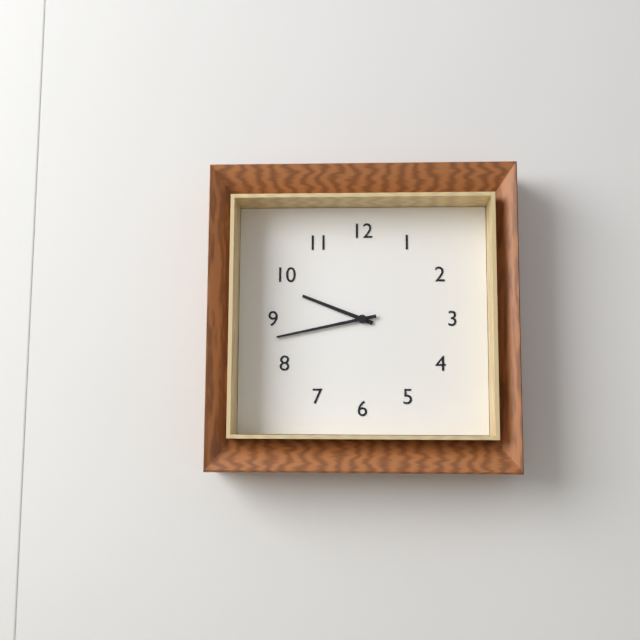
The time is 9h43
